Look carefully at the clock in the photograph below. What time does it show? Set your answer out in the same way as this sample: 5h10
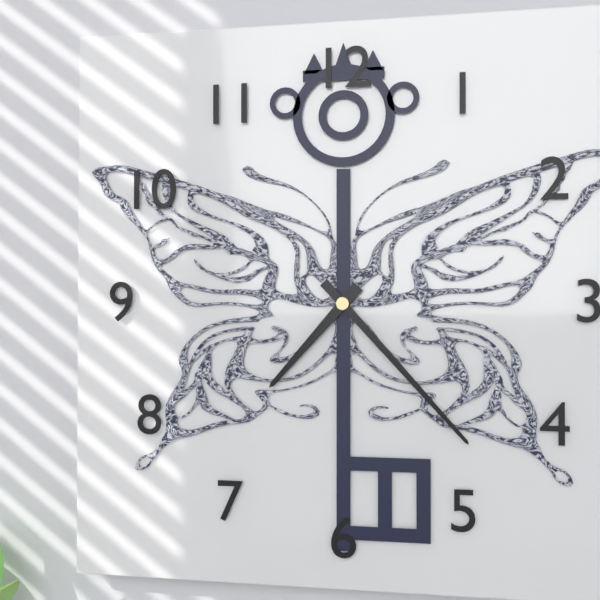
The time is 7h23
